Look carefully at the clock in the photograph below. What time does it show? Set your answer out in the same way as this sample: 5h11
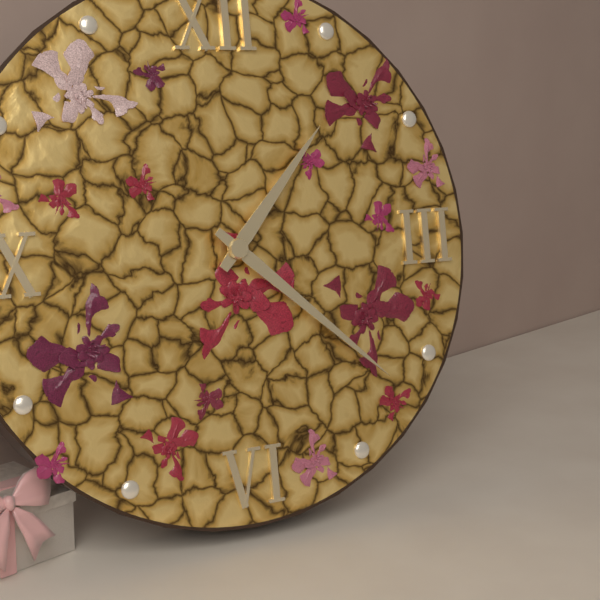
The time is 1h22
